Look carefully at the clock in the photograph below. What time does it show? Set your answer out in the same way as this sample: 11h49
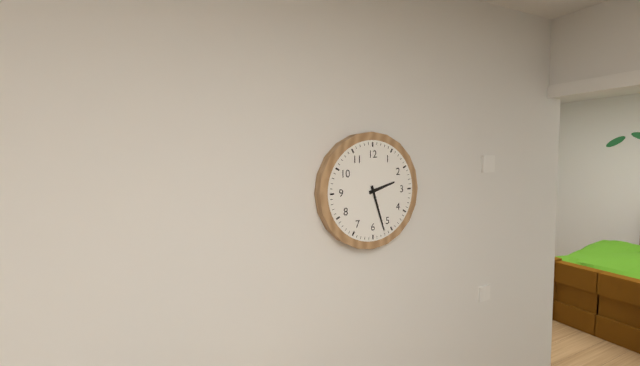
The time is 2h27
